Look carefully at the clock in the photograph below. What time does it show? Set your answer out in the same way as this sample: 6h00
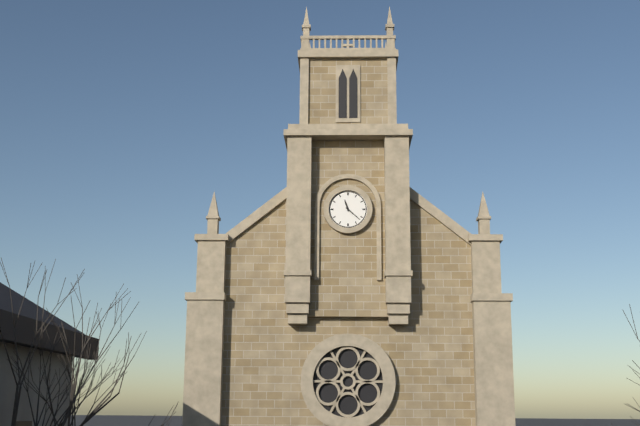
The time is 11h22
